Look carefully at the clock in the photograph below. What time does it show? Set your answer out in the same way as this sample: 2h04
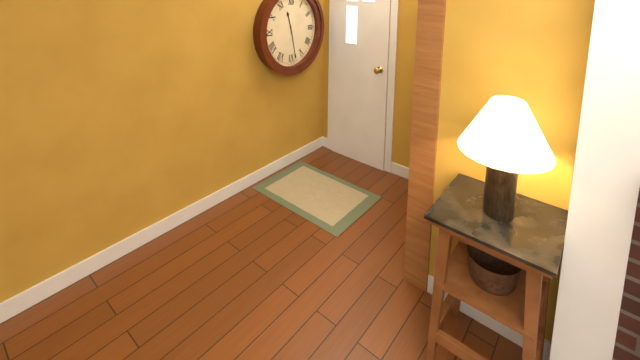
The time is 11h28
